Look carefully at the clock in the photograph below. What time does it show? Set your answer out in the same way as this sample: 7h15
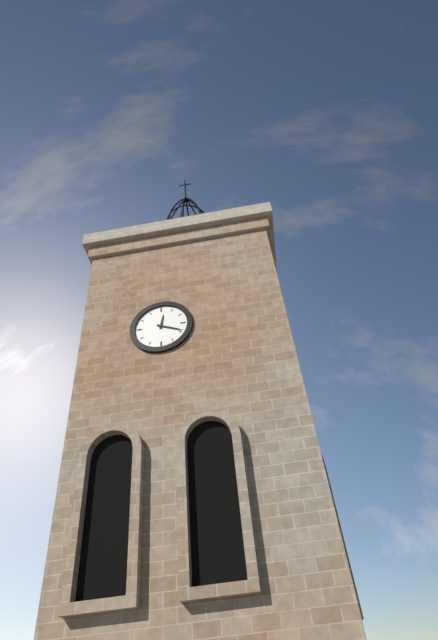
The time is 12h19
